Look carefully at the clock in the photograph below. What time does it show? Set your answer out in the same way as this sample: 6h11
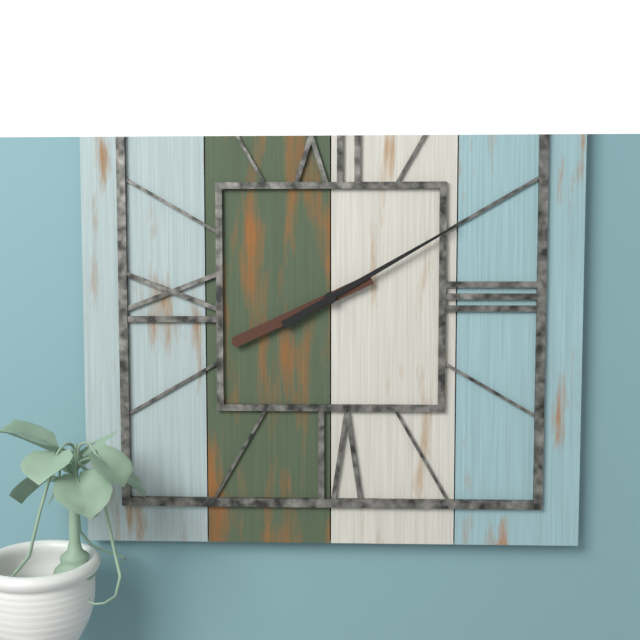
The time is 8h10
